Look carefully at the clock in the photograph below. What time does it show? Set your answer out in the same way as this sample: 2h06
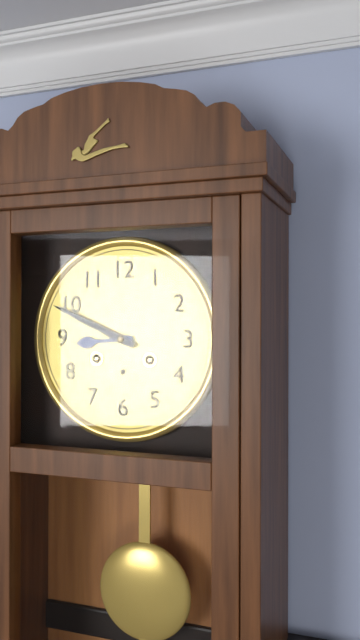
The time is 8h49
